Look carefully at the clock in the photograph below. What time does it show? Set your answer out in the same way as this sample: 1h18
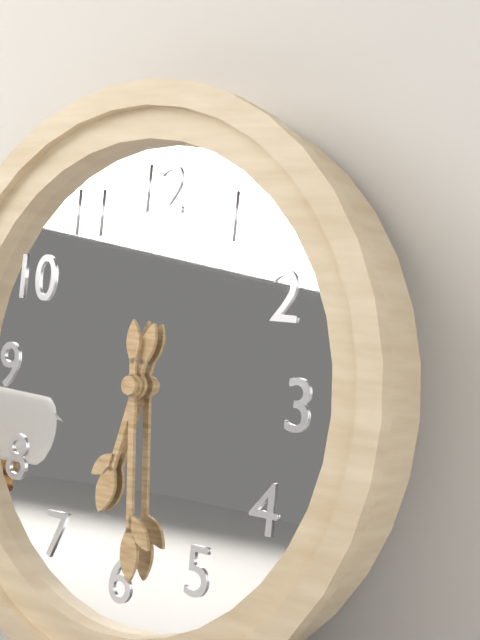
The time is 6h29
